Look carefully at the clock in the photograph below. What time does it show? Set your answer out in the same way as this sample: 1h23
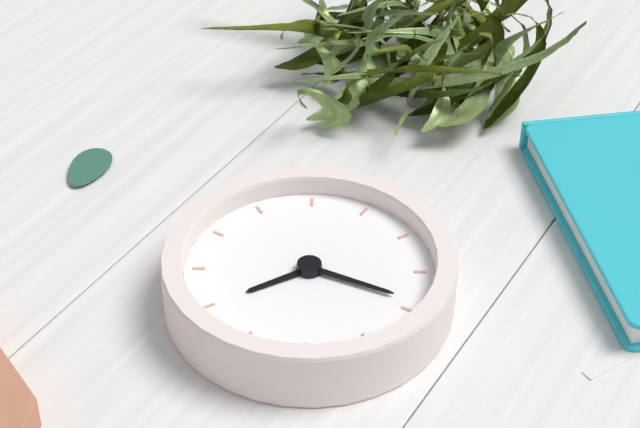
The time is 3h59
